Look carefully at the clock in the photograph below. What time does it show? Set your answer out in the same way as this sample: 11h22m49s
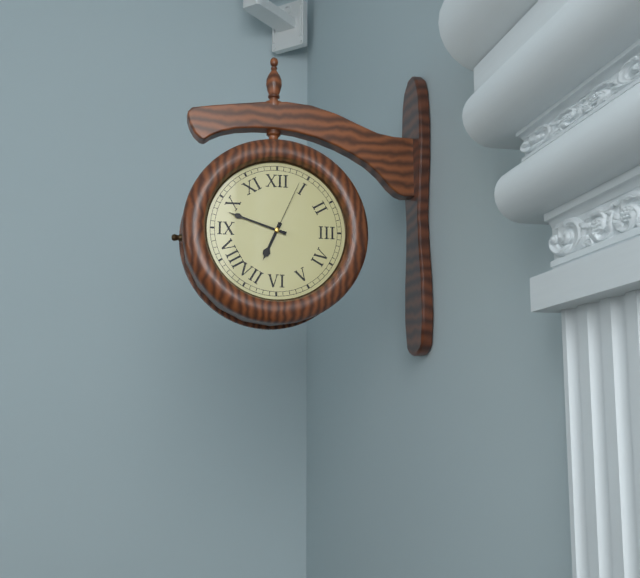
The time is 6h48m04s
